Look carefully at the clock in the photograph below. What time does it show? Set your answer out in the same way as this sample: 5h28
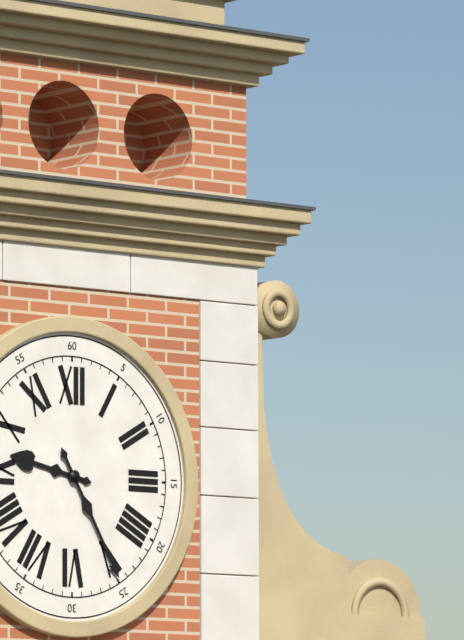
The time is 9h25
